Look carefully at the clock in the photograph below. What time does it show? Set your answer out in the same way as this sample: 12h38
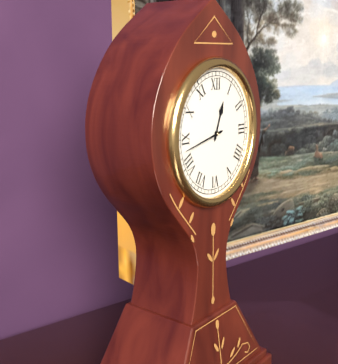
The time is 12h43
